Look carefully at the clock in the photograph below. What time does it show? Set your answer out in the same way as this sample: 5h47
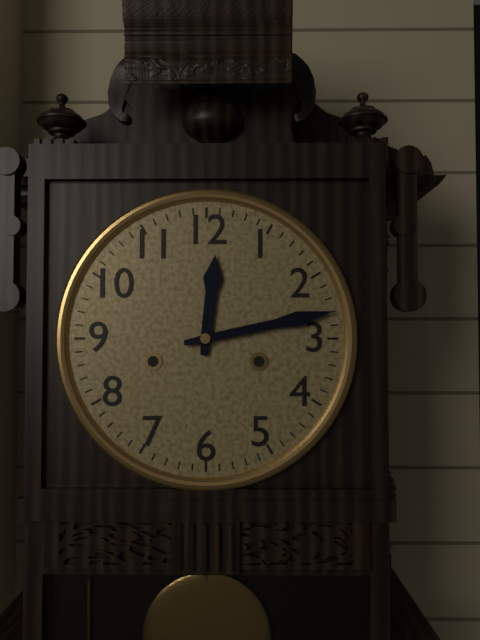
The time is 12h13
